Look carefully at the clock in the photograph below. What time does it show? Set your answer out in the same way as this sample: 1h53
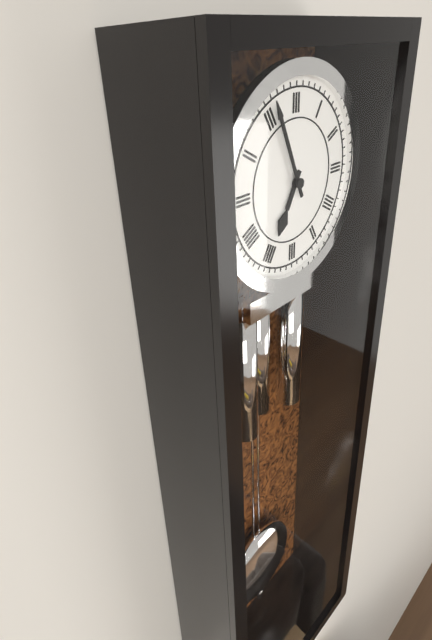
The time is 6h56
